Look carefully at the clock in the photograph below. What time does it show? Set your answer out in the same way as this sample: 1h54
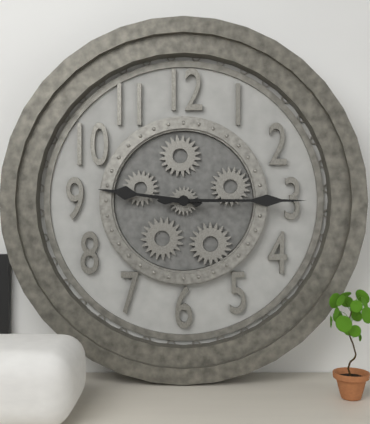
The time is 9h15
